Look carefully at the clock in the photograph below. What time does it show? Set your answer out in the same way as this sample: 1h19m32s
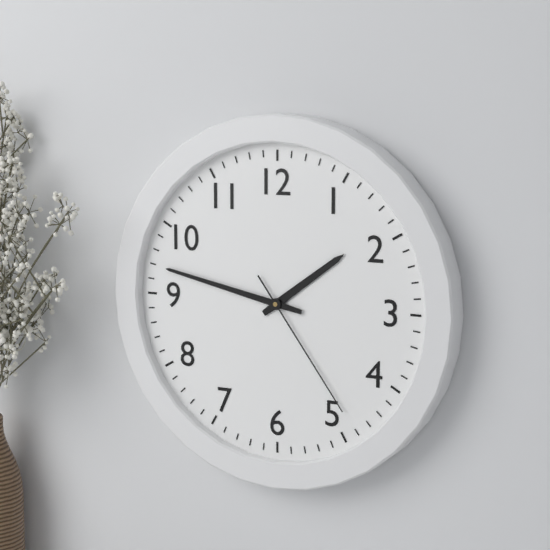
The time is 1h47m24s
